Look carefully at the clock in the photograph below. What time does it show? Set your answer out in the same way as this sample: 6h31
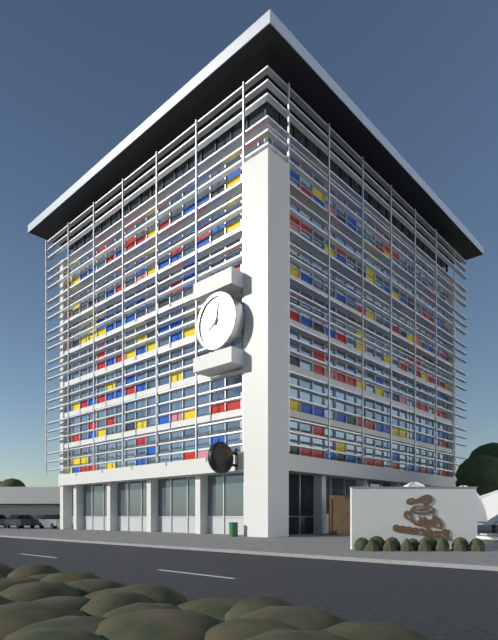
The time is 8h02
